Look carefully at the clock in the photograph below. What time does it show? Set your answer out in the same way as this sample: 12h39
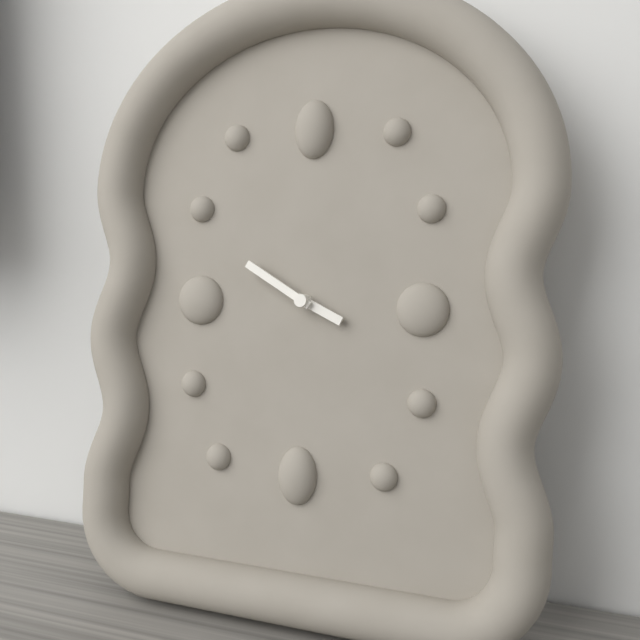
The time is 3h50
